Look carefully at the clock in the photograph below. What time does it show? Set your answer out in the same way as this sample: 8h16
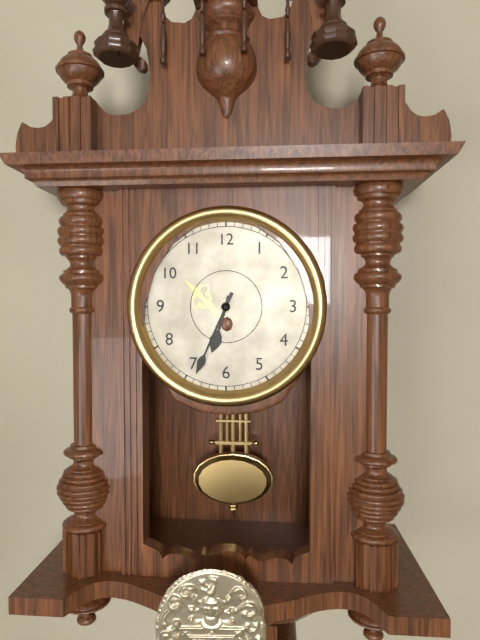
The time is 6h34
